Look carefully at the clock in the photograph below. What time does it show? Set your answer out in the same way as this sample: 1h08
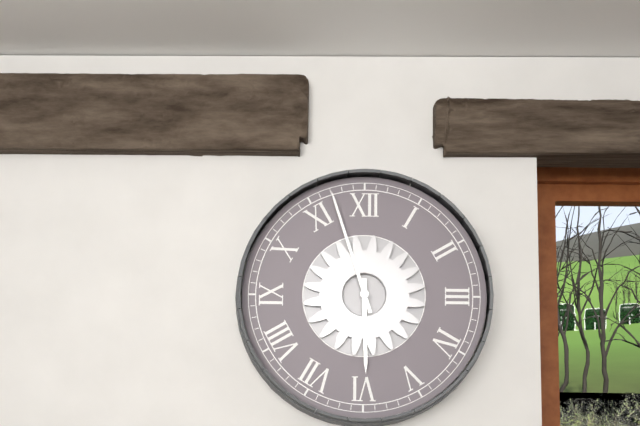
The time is 5h57
